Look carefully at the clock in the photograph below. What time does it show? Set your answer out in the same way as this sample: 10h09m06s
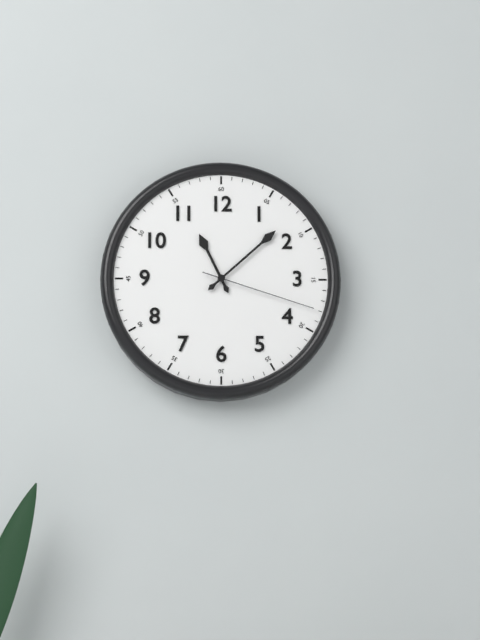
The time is 11h08m18s
